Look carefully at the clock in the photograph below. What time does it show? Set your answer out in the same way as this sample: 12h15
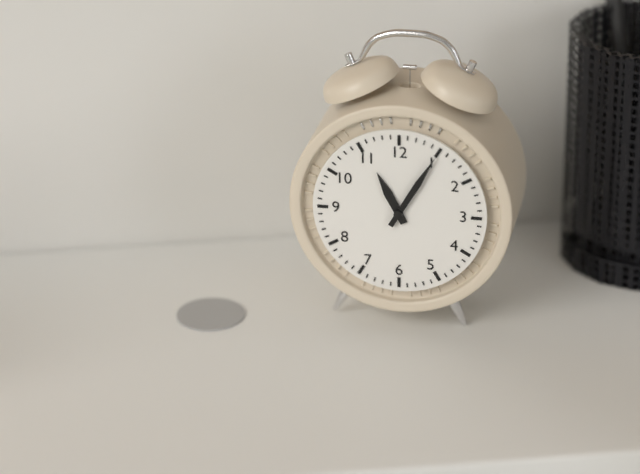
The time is 11h05
